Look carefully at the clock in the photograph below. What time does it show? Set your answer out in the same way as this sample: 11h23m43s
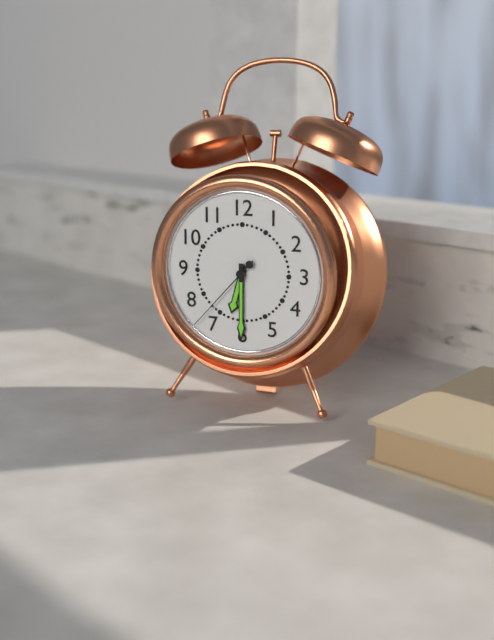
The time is 6h30m37s
